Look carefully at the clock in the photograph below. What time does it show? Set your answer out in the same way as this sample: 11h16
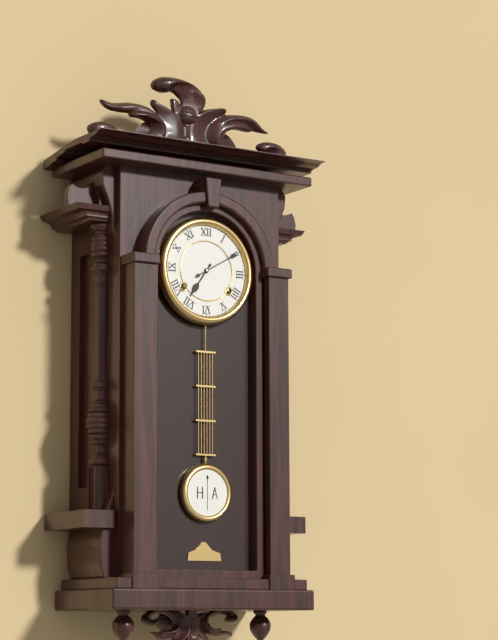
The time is 7h10
